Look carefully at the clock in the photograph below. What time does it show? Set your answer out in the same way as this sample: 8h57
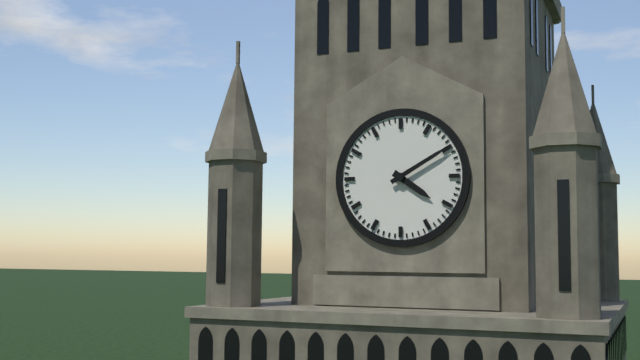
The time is 4h10
